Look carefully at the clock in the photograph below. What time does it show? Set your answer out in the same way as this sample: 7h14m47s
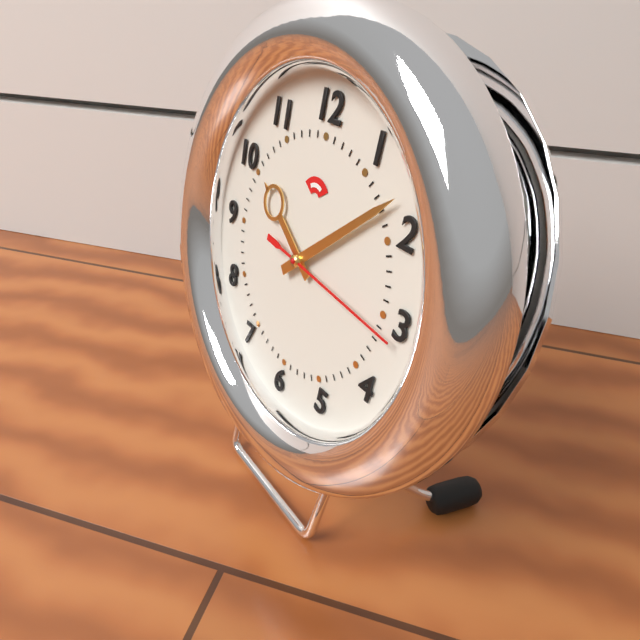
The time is 10h08m16s
